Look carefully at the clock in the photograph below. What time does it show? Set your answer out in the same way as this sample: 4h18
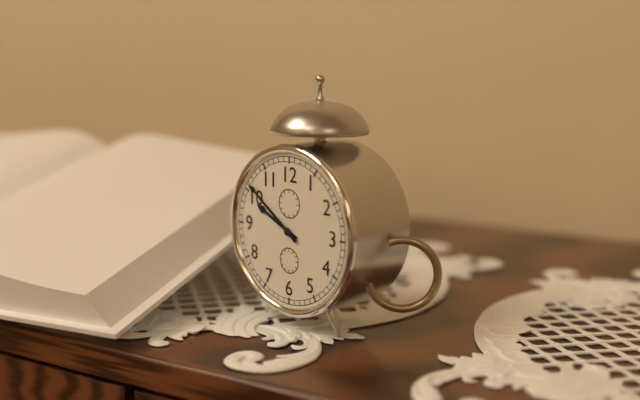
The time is 9h51
